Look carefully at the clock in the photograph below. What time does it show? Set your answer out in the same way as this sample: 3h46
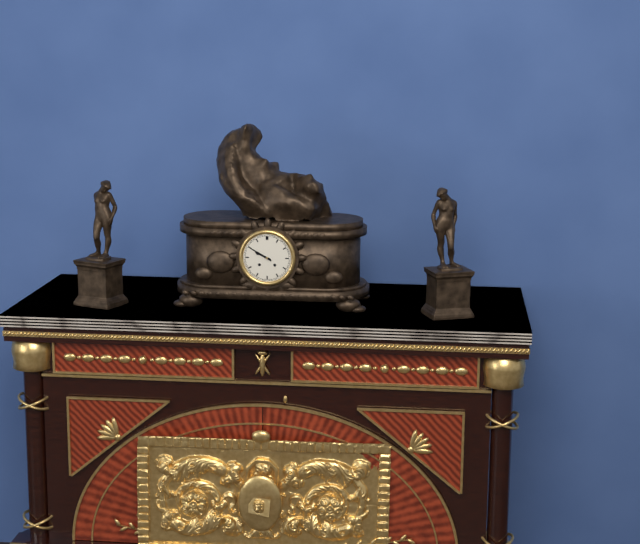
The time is 9h50
